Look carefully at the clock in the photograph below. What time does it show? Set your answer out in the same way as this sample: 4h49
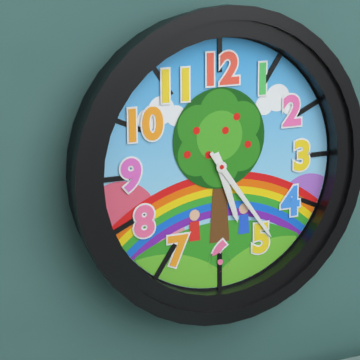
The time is 5h24
